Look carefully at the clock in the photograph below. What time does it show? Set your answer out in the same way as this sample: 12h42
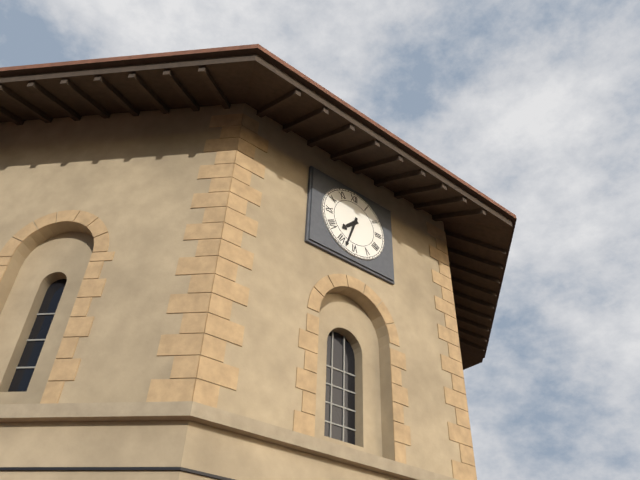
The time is 7h33
